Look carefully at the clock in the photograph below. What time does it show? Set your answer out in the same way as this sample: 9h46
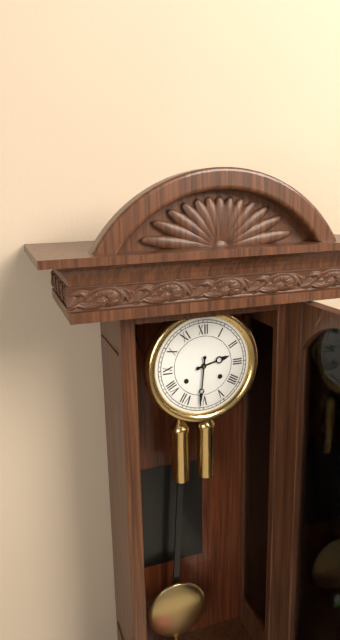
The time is 2h31
